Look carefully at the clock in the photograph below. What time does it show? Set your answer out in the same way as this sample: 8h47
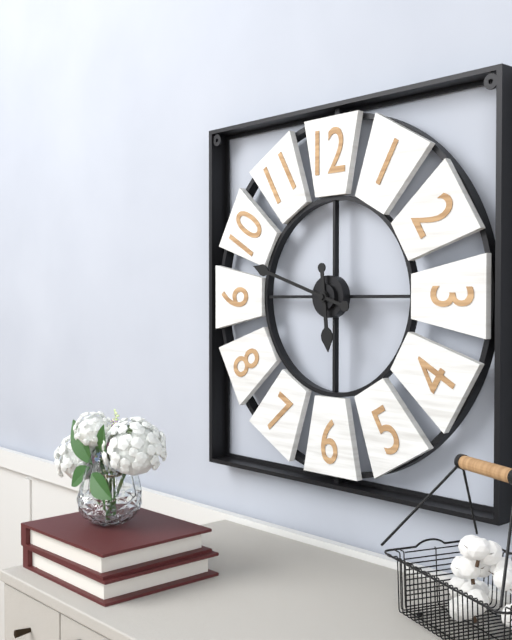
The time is 5h48
